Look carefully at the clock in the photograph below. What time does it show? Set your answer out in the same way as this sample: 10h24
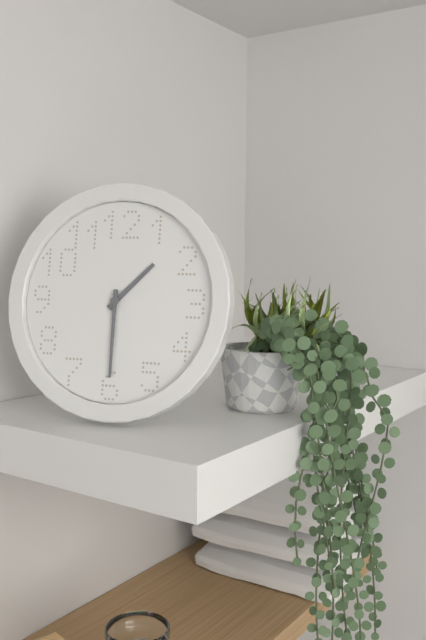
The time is 1h30
